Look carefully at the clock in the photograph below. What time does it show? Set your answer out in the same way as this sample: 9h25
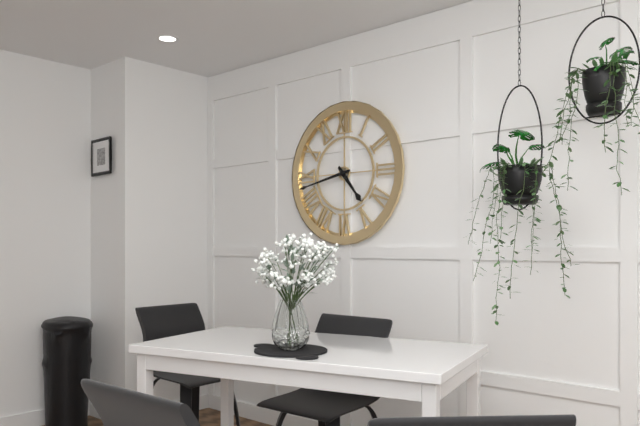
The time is 4h43
